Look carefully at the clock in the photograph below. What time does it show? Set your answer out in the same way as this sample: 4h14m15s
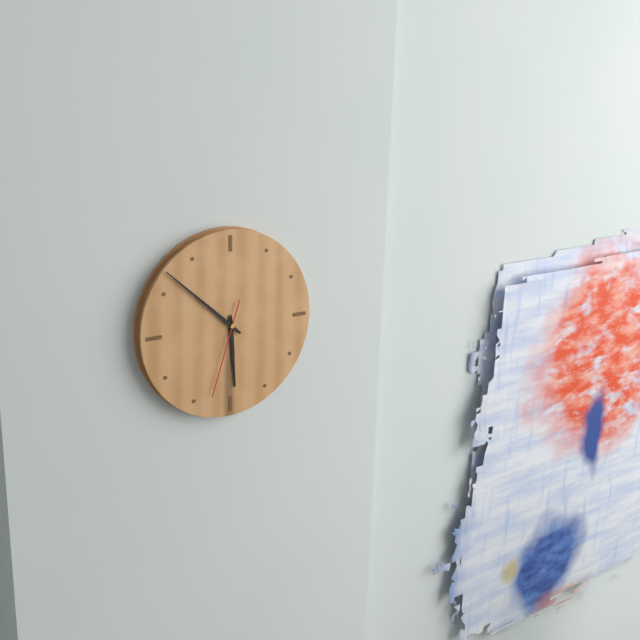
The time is 5h52m33s
